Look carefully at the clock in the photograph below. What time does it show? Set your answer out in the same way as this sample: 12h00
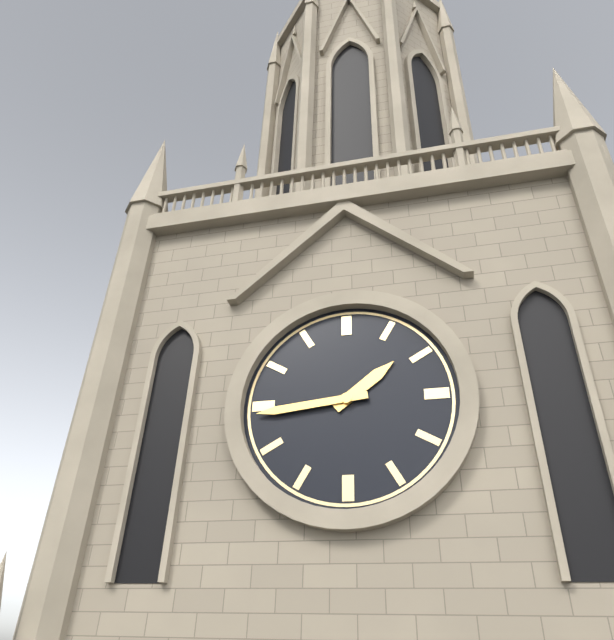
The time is 1h44
